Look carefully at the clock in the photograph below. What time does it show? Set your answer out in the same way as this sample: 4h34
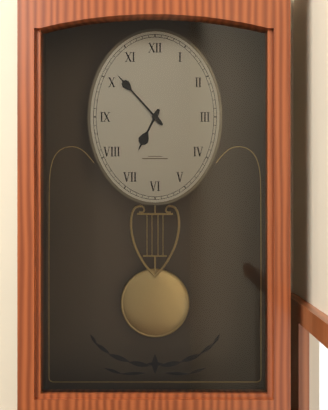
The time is 6h53
